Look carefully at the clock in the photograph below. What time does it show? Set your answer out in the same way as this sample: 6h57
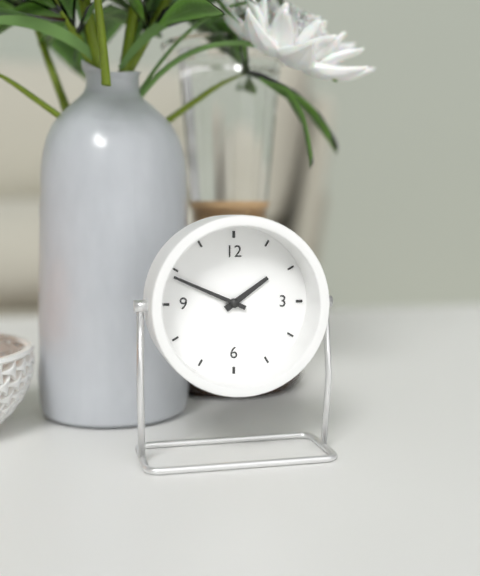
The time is 1h49
